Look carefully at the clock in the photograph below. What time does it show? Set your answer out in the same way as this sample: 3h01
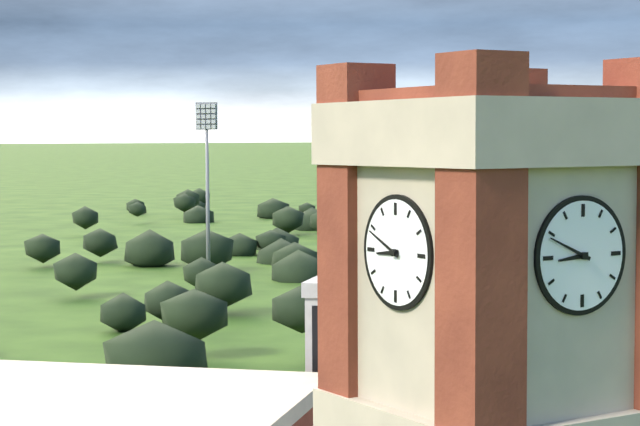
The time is 8h49
